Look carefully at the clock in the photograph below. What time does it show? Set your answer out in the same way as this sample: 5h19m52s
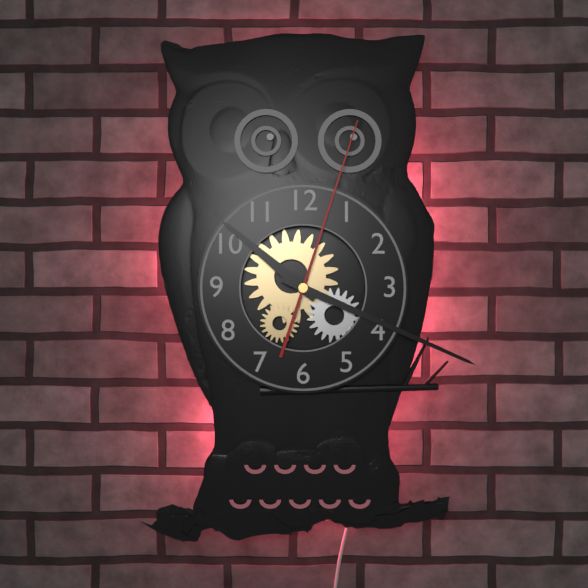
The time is 10h19m03s
